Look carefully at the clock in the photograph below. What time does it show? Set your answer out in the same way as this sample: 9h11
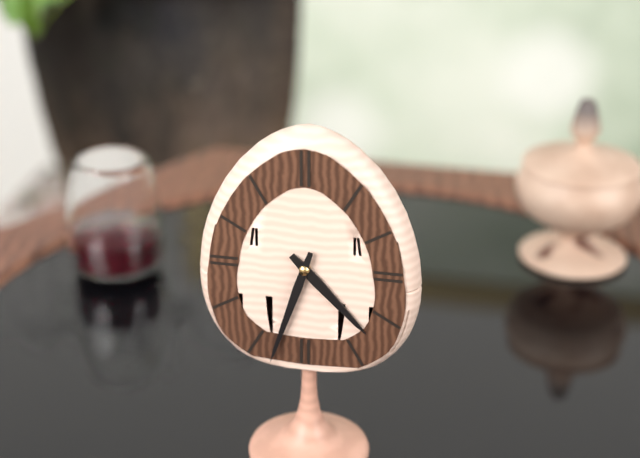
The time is 4h33
